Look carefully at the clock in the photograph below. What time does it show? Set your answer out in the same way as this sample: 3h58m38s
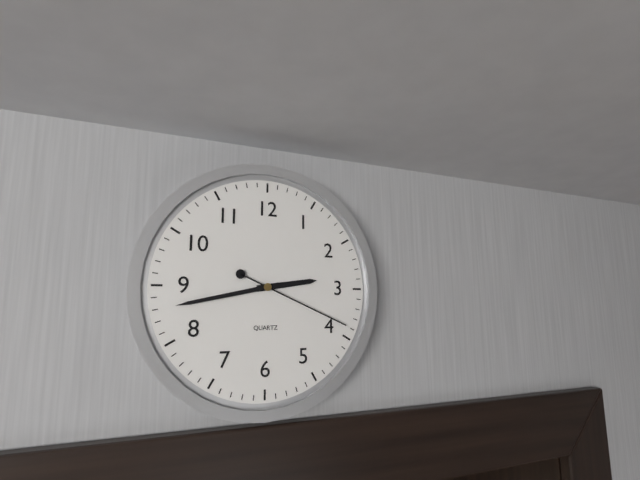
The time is 2h43m19s
